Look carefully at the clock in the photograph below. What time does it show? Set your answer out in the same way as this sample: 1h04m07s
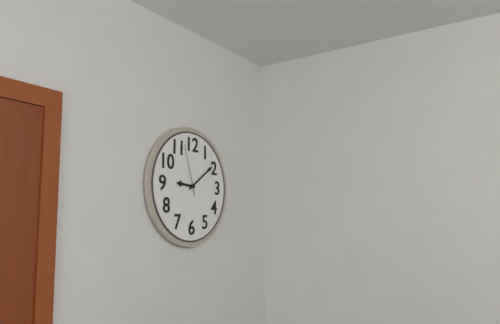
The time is 9h09m57s
